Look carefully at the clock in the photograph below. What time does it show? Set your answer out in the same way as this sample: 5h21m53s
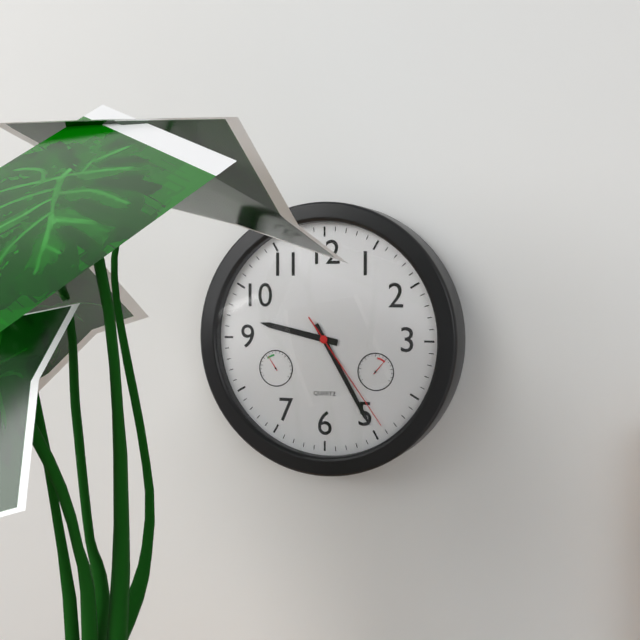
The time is 9h25m24s
